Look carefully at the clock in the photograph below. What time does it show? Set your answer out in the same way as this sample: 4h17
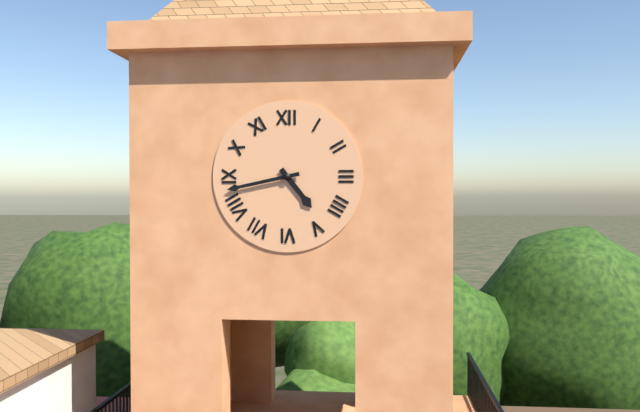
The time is 4h43
